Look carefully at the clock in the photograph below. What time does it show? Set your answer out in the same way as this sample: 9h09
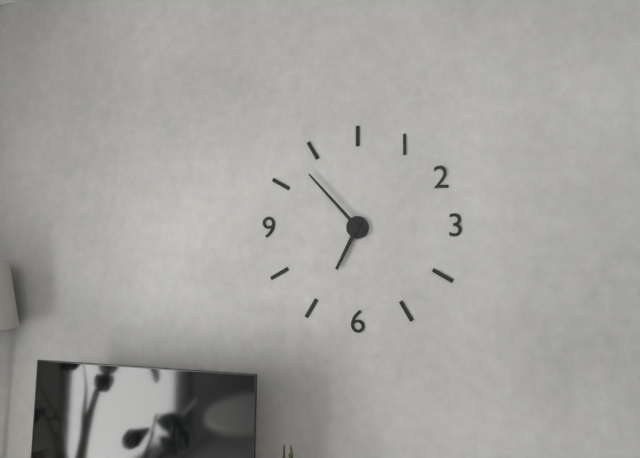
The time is 6h53
